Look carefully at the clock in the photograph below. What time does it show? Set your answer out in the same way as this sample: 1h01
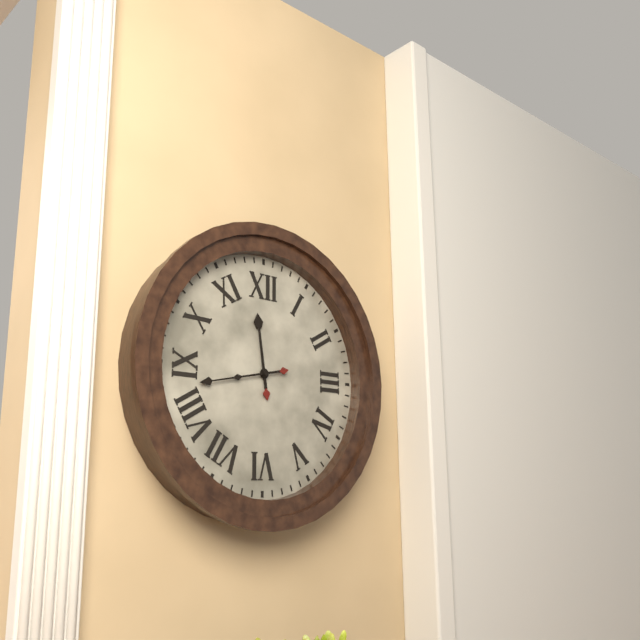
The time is 11h43
